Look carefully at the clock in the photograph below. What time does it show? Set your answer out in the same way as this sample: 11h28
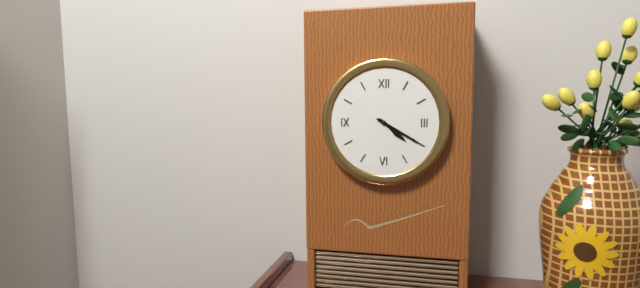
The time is 4h20
